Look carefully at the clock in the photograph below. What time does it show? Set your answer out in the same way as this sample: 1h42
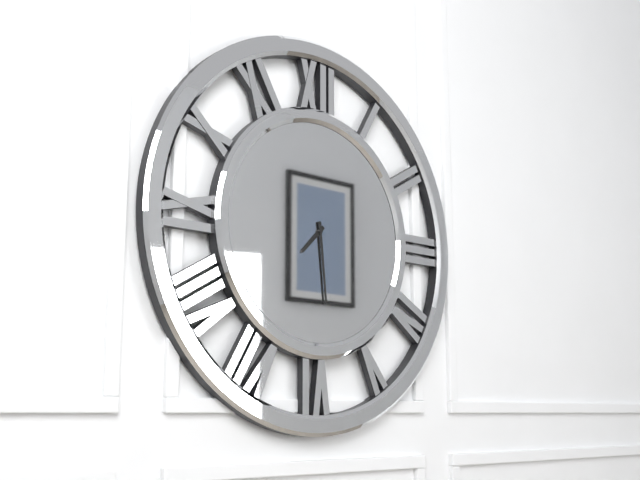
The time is 7h29
